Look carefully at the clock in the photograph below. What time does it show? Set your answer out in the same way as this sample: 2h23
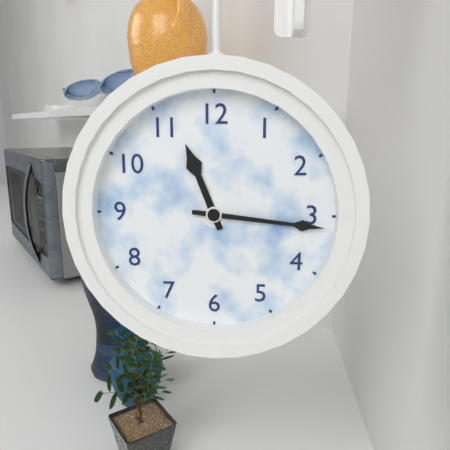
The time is 11h16
